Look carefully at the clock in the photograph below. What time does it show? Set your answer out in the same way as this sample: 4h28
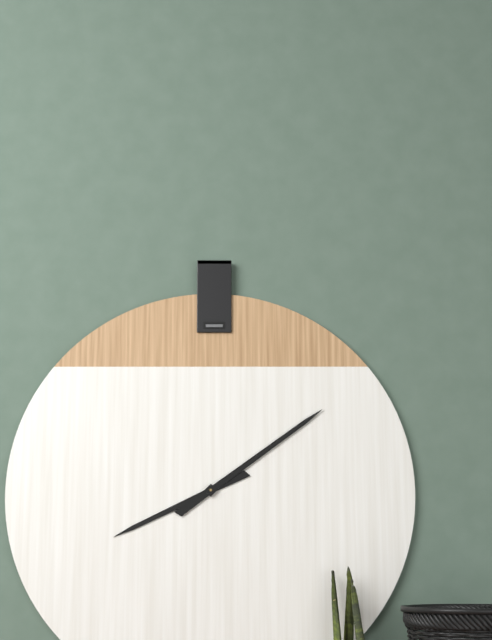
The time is 8h09
